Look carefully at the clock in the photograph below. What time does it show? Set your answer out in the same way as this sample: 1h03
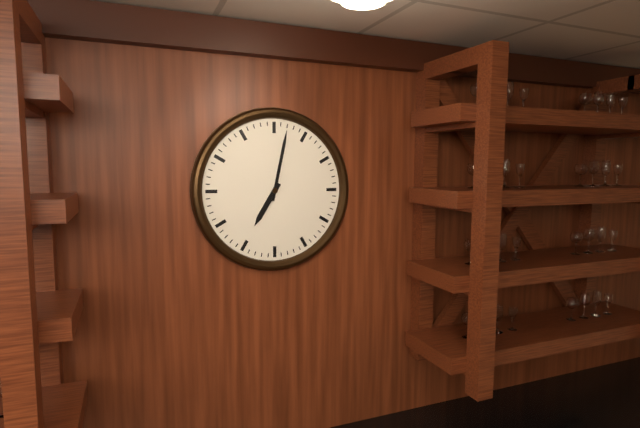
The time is 7h02
